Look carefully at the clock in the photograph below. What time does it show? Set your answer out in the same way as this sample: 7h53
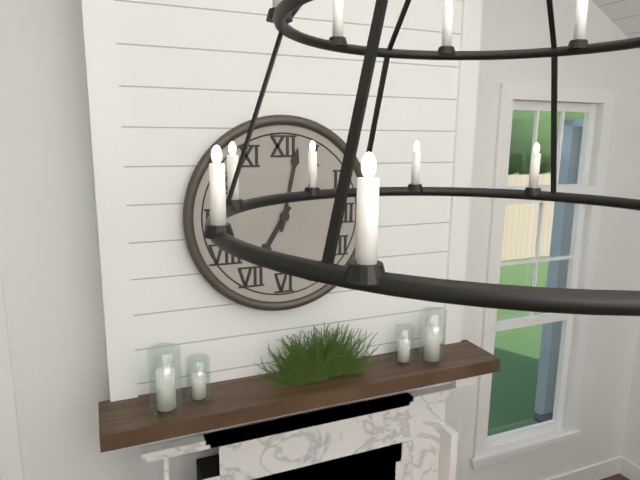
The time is 7h02
